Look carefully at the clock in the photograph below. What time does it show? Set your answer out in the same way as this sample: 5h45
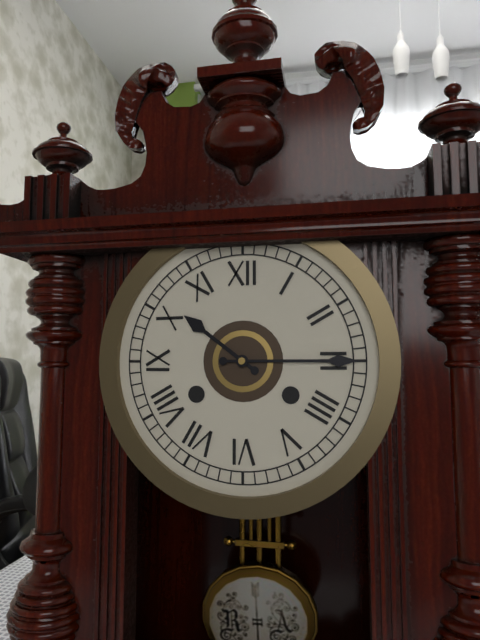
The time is 10h15
